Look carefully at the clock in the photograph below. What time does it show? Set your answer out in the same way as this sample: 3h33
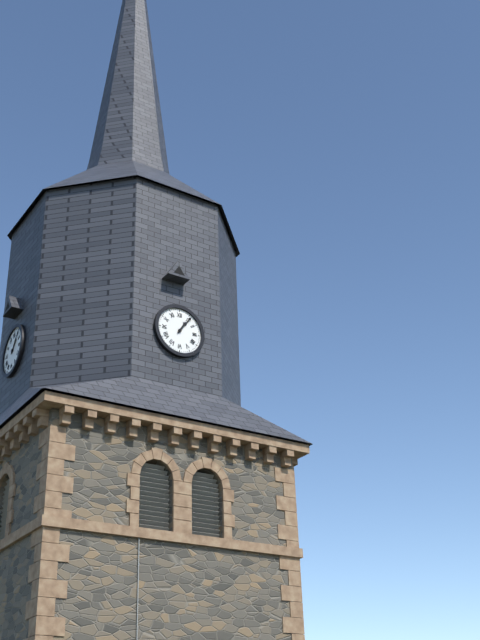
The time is 1h06
